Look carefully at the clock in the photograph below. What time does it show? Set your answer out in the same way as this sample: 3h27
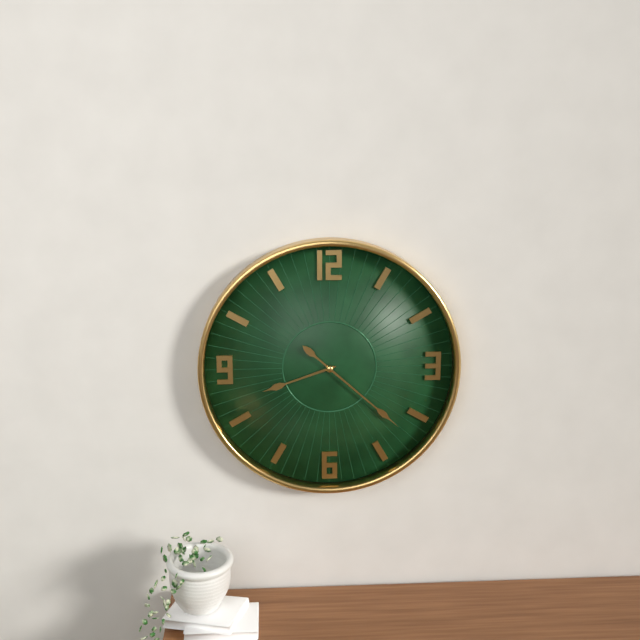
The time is 8h22
